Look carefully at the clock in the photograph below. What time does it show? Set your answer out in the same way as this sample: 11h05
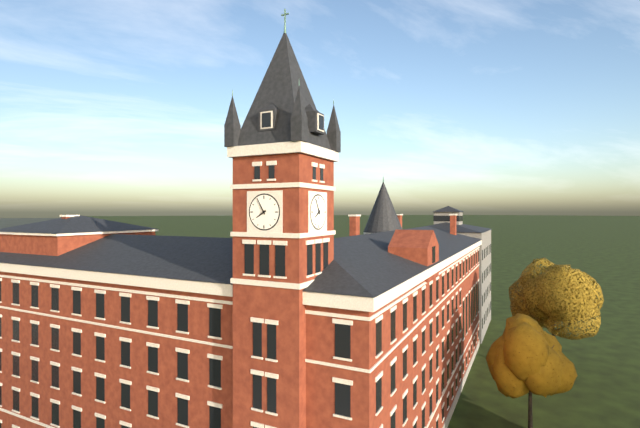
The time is 7h55
